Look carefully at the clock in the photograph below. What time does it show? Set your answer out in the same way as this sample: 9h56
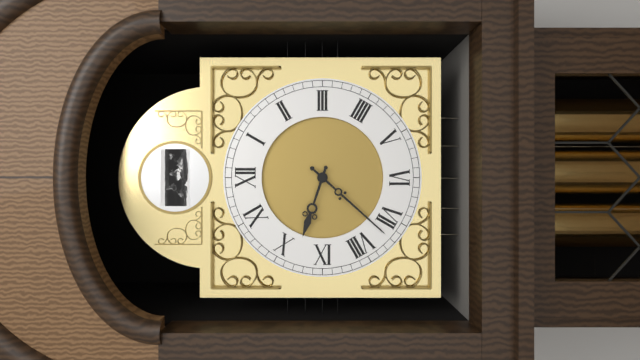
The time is 9h37
